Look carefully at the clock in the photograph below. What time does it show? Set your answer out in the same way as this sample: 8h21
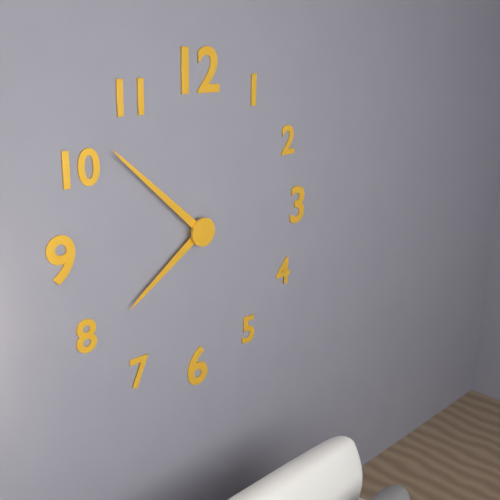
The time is 7h52
